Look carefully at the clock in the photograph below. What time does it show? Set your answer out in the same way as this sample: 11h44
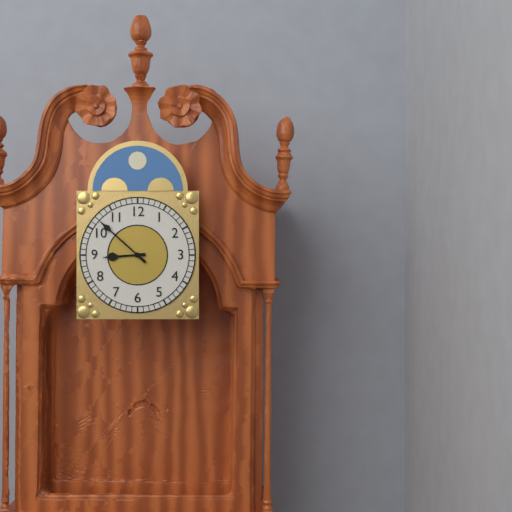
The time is 8h52
